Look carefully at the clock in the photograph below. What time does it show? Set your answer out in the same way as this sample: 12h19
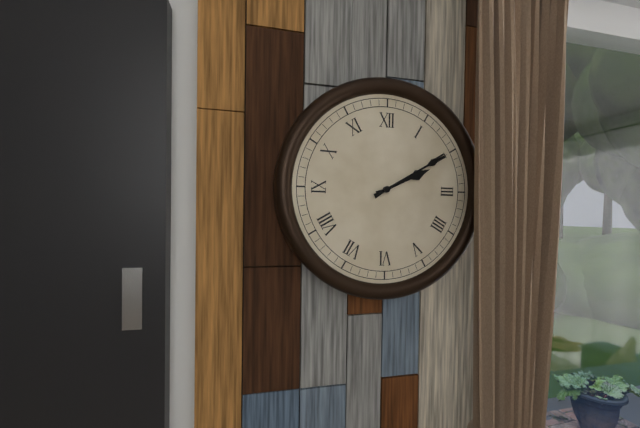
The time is 2h10
